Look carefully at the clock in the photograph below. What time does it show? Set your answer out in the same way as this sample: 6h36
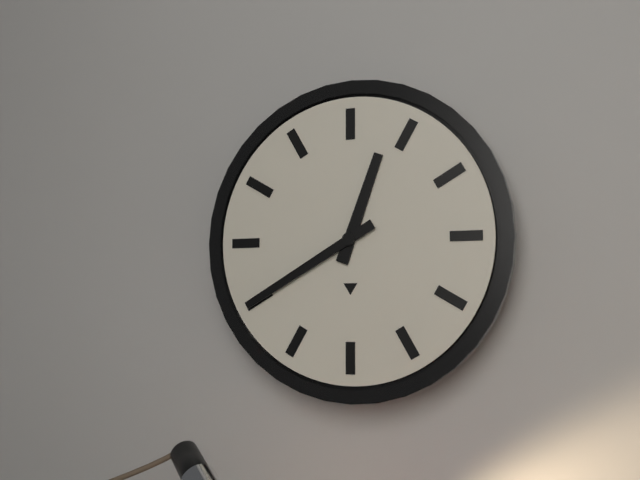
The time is 12h40
